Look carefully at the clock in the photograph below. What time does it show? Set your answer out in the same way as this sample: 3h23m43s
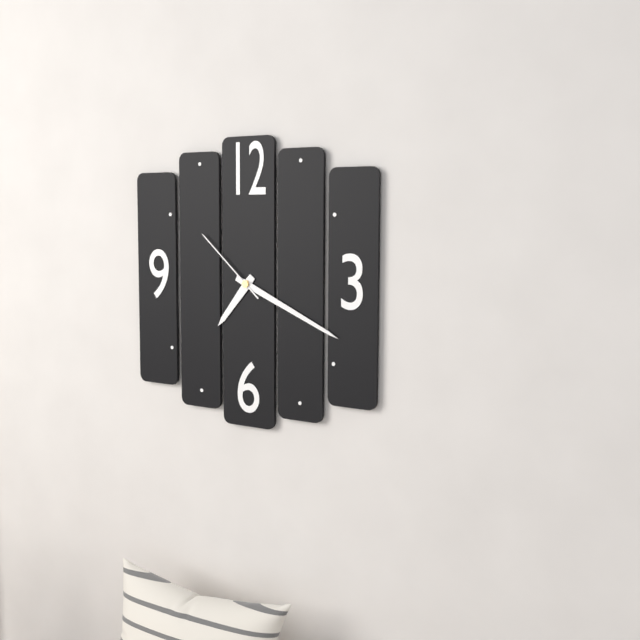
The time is 7h19m52s
